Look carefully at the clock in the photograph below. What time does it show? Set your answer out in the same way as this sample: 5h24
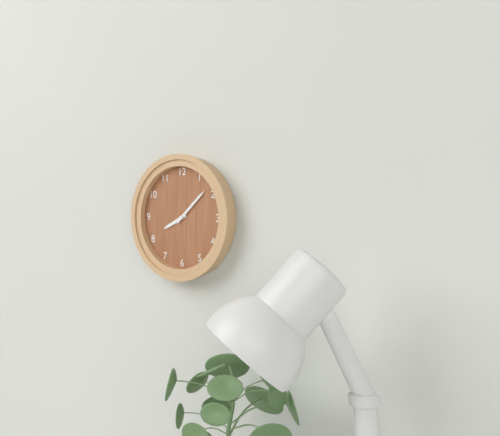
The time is 8h08
